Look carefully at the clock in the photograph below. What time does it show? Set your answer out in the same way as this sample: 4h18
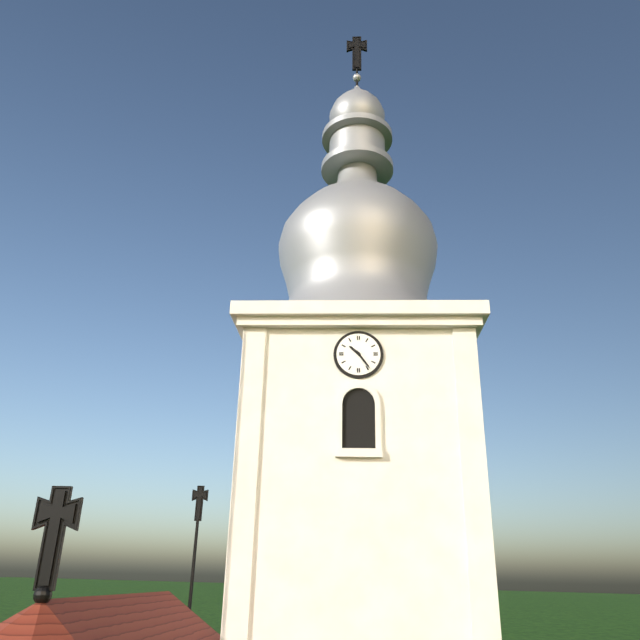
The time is 10h24
